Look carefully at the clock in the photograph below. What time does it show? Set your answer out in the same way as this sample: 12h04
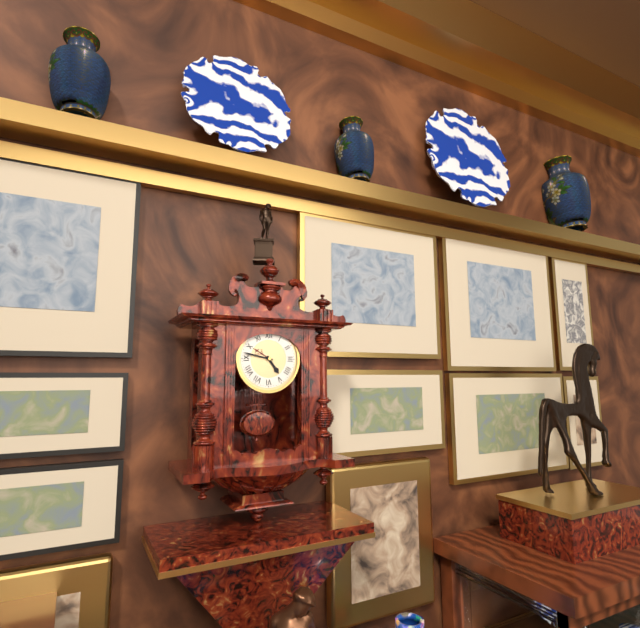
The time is 4h47
